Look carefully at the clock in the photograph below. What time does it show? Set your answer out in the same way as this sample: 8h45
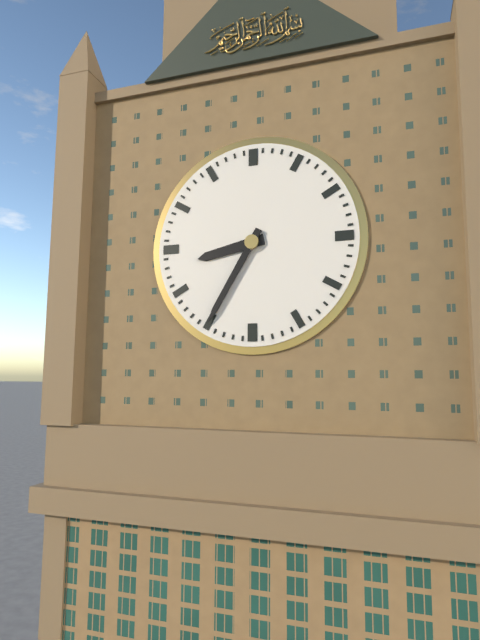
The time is 8h35
